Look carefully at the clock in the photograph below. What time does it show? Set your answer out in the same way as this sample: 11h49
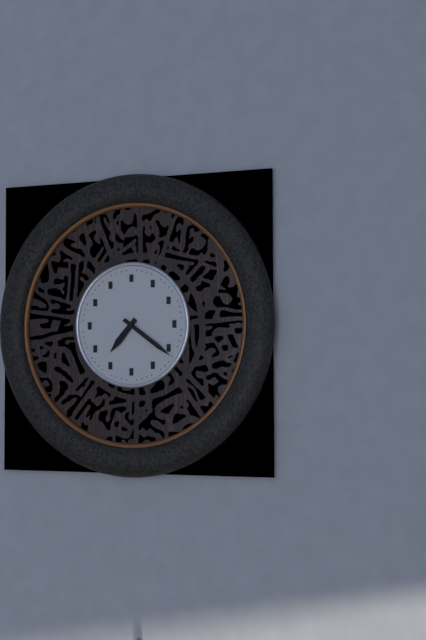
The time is 7h21
